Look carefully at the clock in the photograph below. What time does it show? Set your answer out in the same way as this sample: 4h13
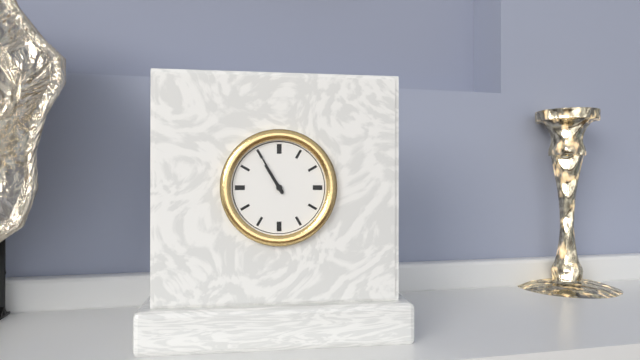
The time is 10h55
